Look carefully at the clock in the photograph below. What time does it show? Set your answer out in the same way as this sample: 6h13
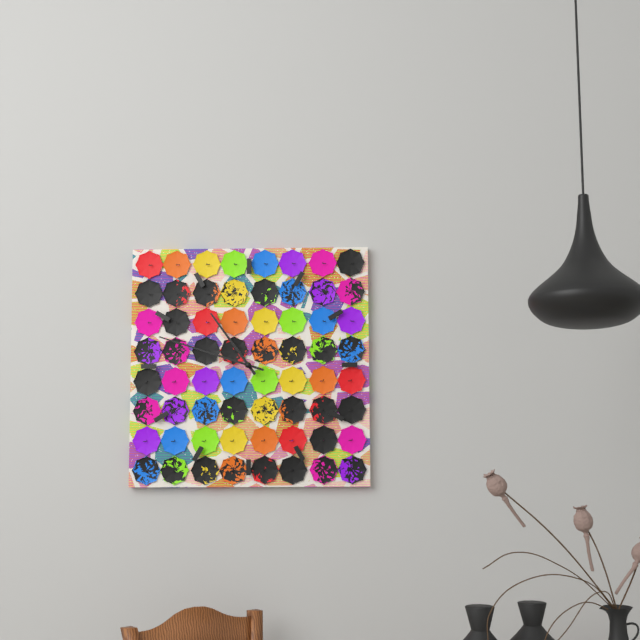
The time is 10h48
